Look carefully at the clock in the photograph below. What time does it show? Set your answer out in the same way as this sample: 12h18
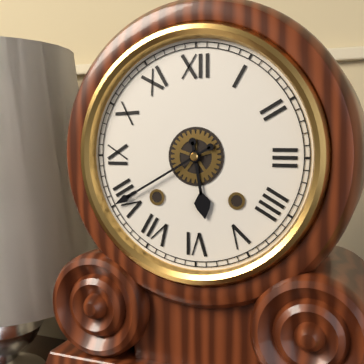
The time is 5h40
